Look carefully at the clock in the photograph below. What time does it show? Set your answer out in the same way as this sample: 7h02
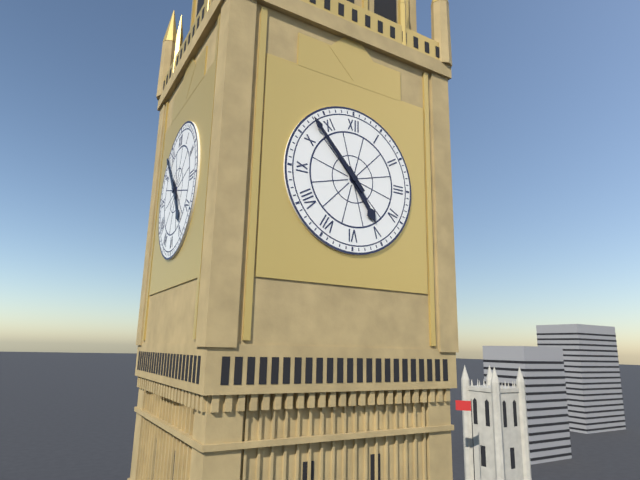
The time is 4h53
